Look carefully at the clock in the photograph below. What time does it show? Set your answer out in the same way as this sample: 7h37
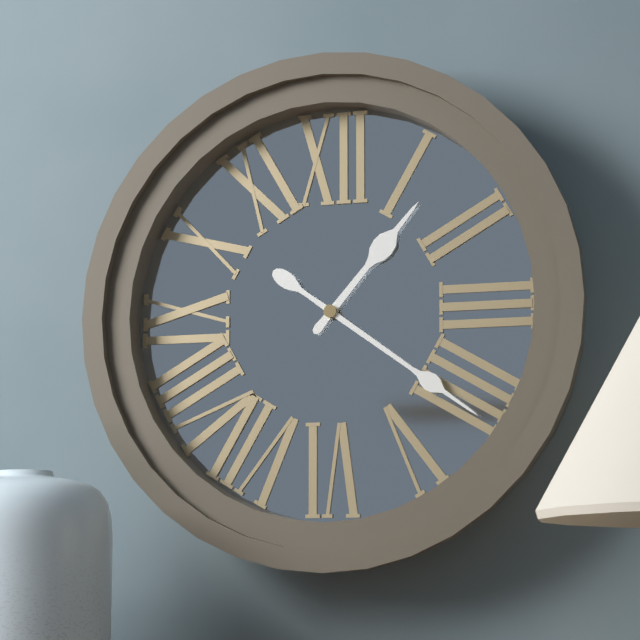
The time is 1h21
